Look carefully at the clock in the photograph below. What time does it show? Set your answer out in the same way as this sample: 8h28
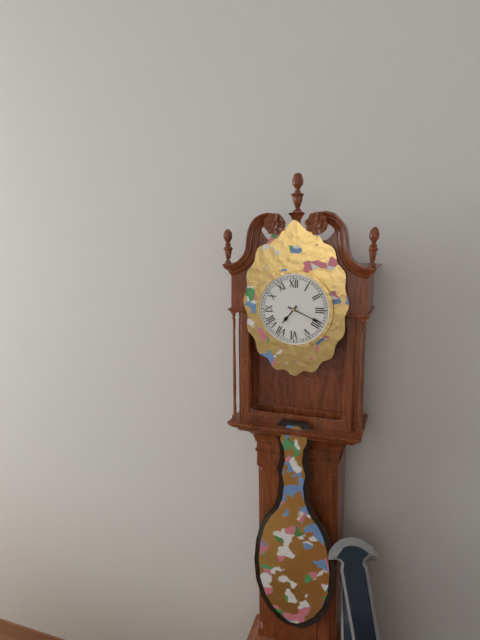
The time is 7h19
